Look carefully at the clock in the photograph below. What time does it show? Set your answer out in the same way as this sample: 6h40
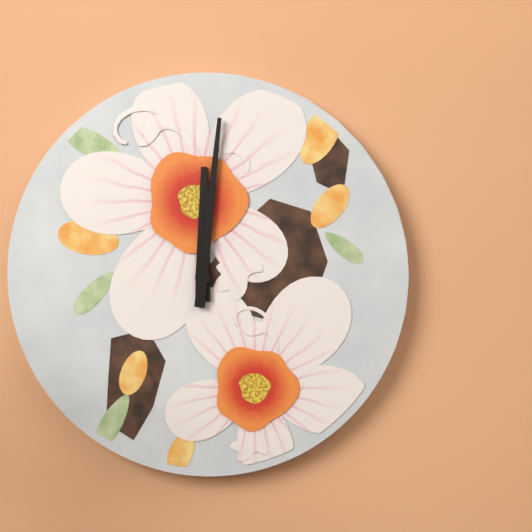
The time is 12h01
